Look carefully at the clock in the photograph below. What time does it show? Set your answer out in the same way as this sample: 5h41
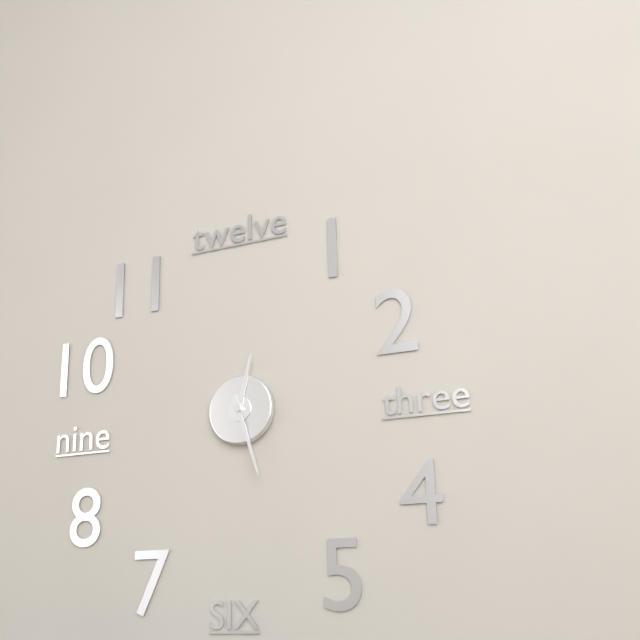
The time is 12h27
